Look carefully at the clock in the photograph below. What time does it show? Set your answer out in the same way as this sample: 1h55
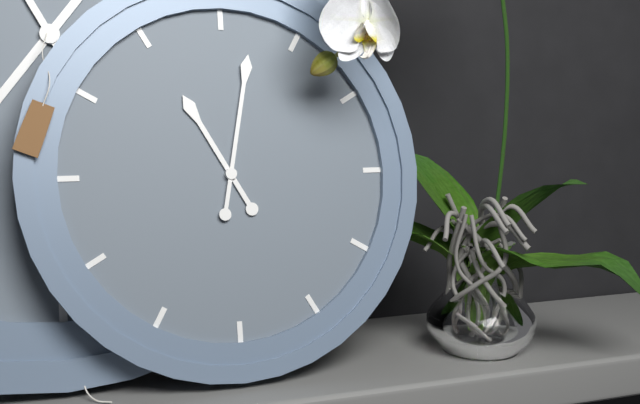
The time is 11h02
